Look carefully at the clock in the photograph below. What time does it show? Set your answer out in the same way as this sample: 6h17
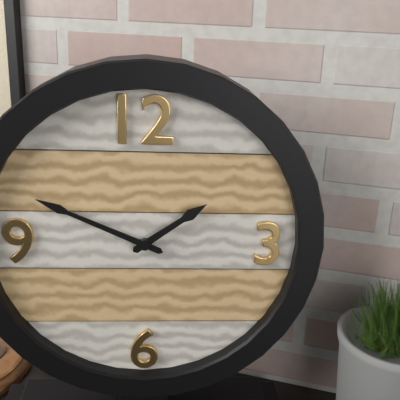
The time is 1h49
